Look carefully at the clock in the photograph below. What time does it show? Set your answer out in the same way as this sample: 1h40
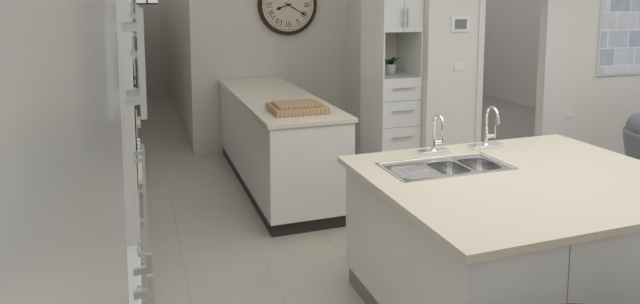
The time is 8h20
